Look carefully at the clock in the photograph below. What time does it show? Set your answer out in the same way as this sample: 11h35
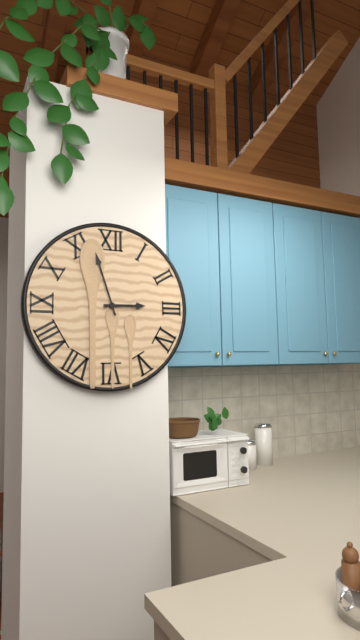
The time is 2h57
